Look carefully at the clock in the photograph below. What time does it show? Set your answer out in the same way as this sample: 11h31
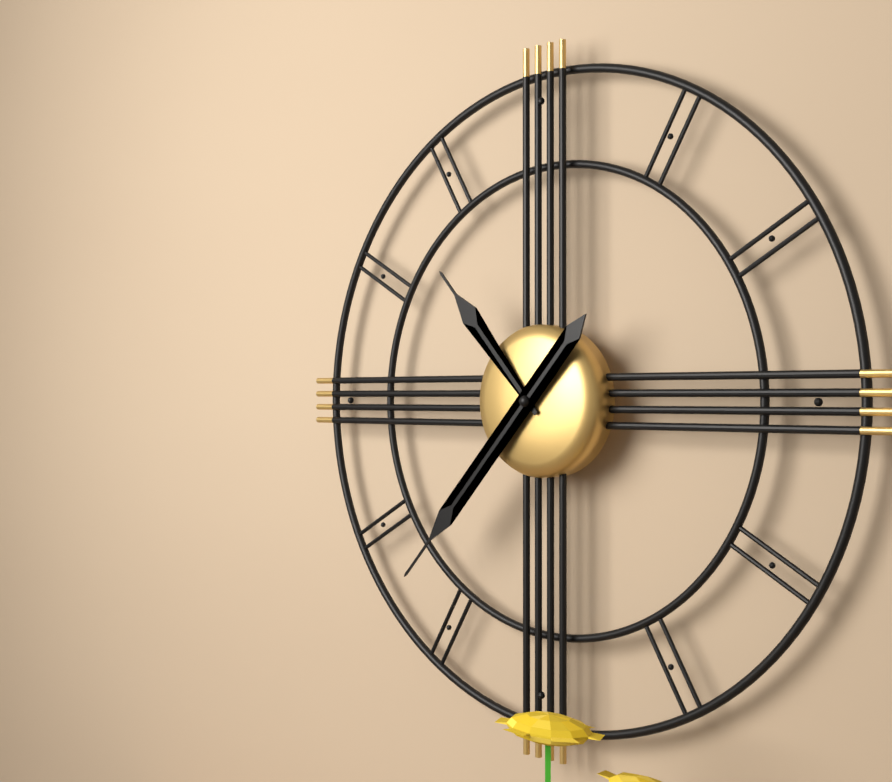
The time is 10h37
